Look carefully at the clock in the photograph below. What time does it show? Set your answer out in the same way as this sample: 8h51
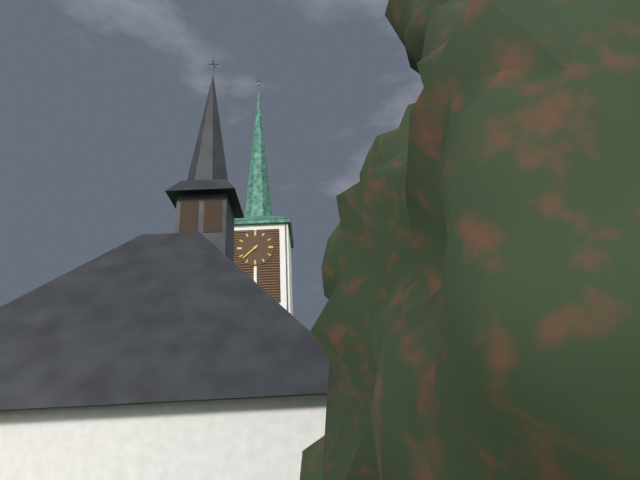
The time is 7h38
